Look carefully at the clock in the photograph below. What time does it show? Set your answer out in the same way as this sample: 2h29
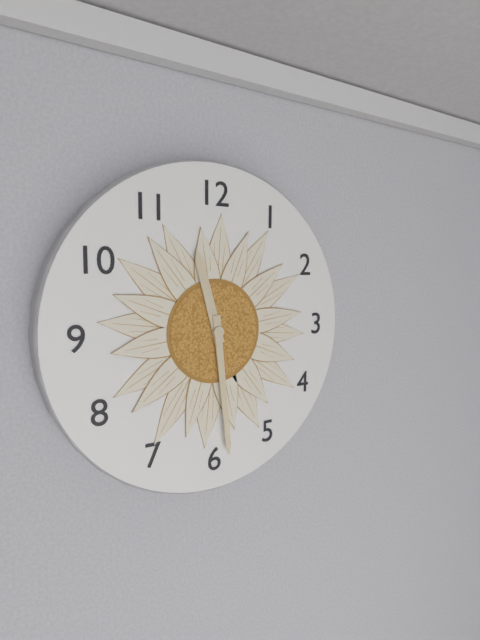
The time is 11h29
